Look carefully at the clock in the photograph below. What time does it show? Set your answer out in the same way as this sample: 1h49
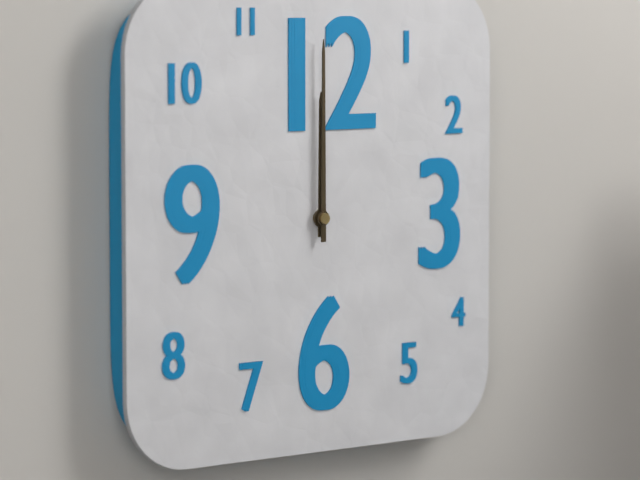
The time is 12h00
